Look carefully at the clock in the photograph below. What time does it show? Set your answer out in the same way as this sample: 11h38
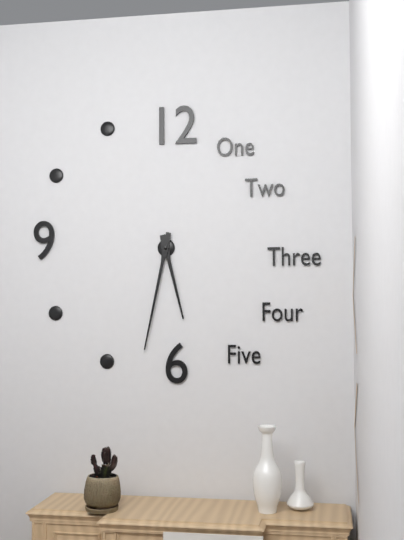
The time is 5h32
